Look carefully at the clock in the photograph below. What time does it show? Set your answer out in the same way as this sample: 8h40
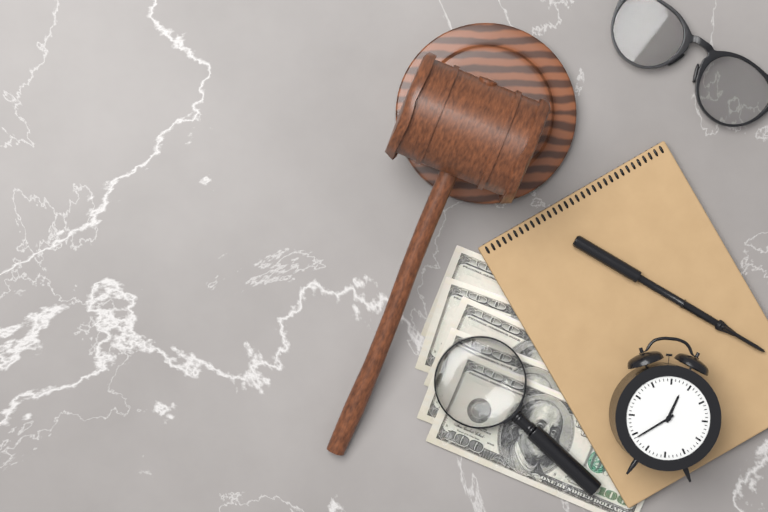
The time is 12h39
